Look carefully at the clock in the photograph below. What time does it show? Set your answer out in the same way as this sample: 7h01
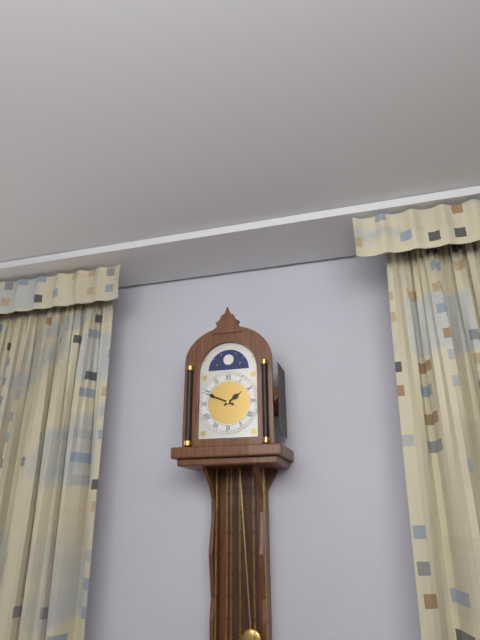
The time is 1h49
